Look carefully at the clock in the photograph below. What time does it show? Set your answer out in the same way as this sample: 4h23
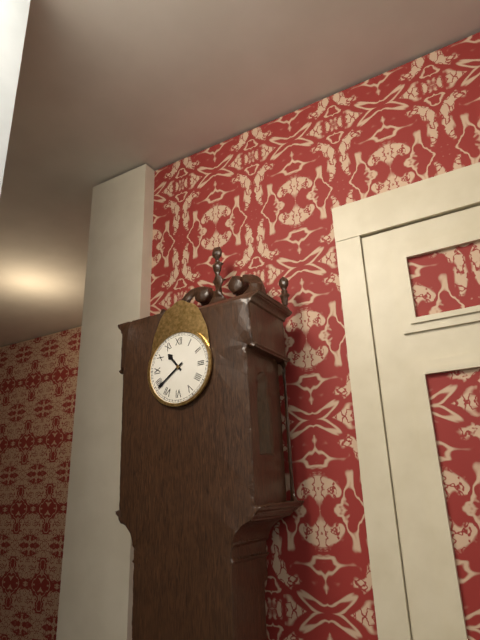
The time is 10h39
